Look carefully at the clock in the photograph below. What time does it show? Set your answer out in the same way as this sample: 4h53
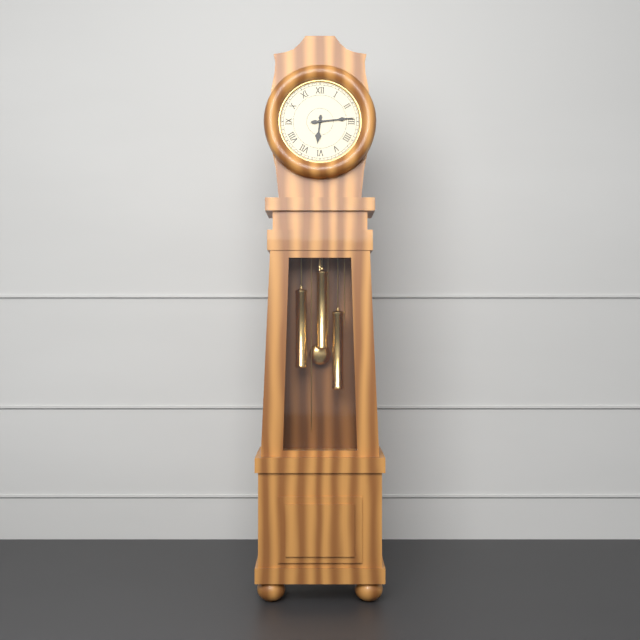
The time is 6h14
